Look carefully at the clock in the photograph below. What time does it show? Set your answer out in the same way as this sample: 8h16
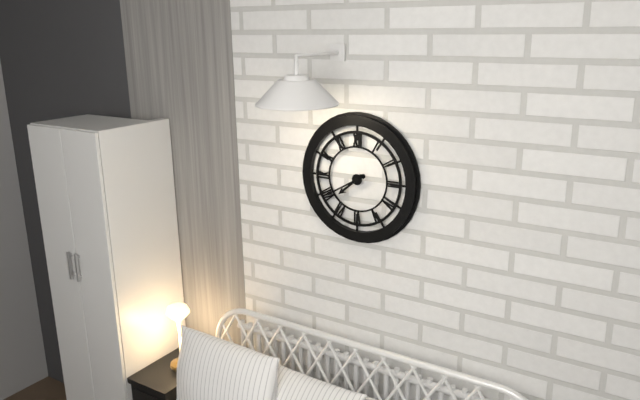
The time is 7h40
